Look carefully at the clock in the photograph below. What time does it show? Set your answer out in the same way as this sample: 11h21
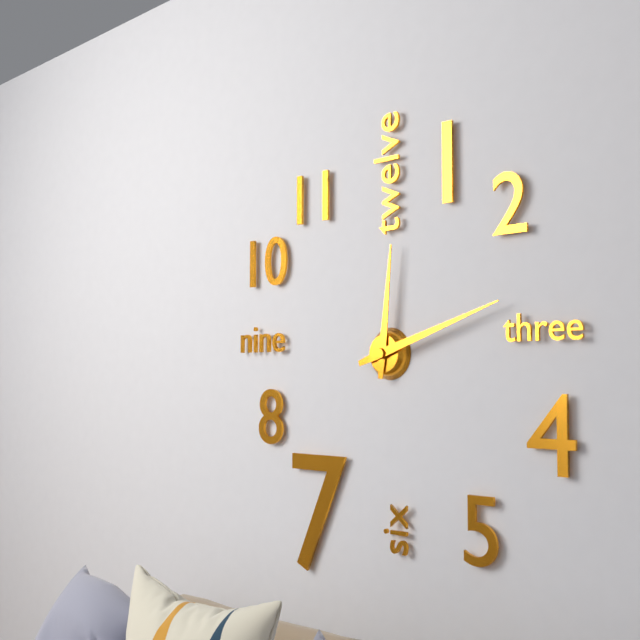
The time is 12h12
